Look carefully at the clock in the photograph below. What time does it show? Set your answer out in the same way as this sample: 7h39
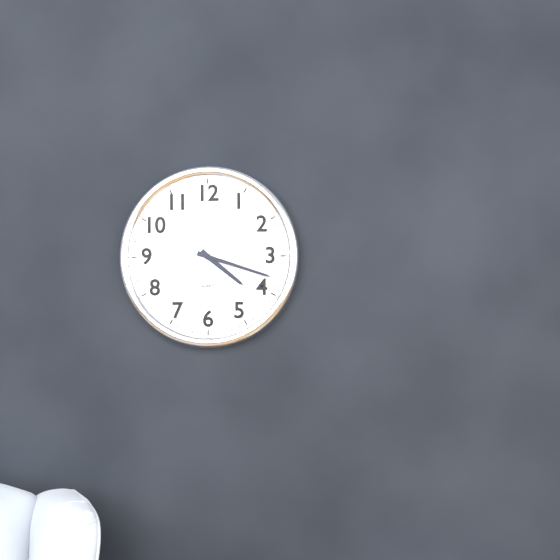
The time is 4h18
